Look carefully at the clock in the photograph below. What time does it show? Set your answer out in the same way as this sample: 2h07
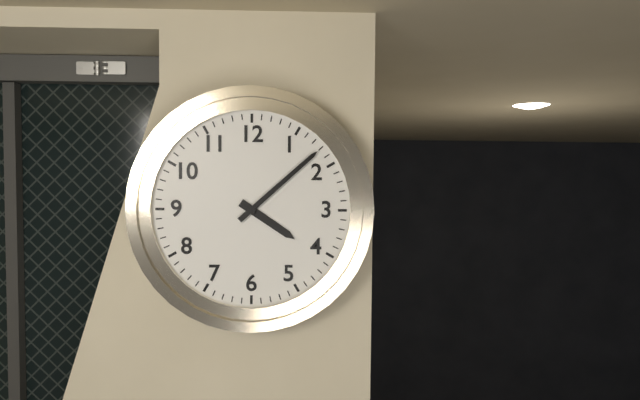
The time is 4h08
